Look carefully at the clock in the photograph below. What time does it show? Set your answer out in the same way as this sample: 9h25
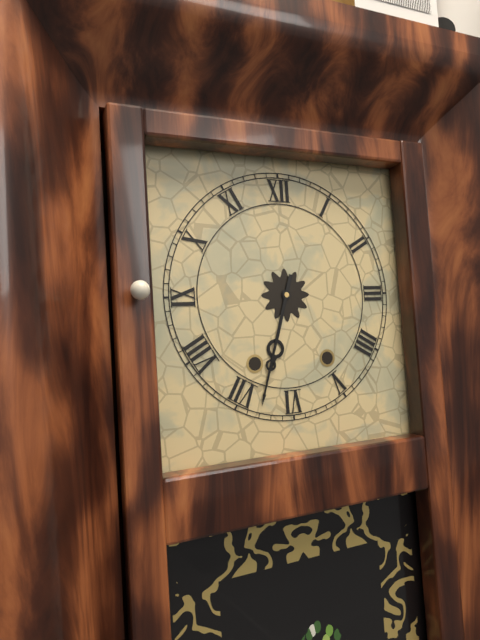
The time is 6h33
